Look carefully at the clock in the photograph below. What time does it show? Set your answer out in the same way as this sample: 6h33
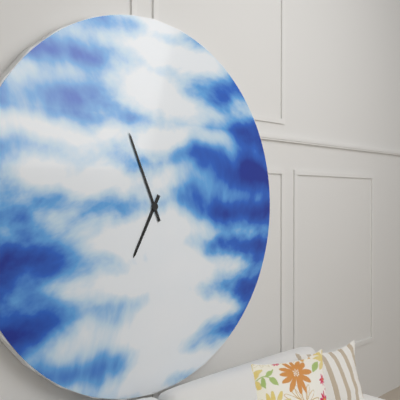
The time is 6h56
